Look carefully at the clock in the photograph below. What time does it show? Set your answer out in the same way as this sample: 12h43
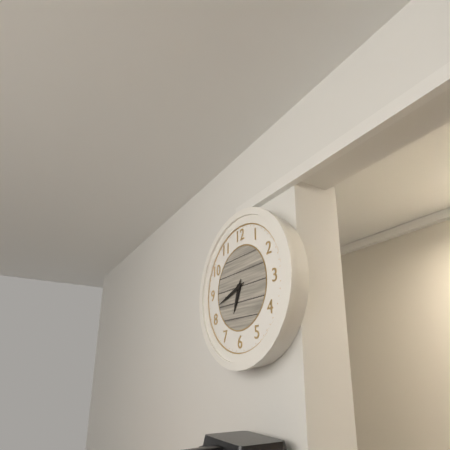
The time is 6h42
